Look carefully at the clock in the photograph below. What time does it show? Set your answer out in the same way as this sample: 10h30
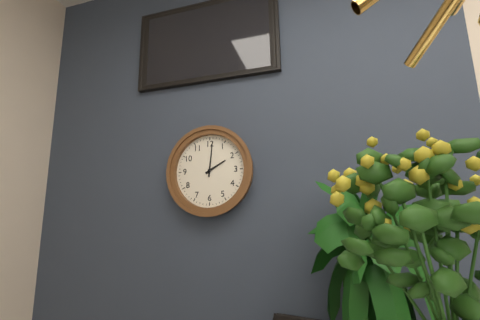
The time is 2h01
